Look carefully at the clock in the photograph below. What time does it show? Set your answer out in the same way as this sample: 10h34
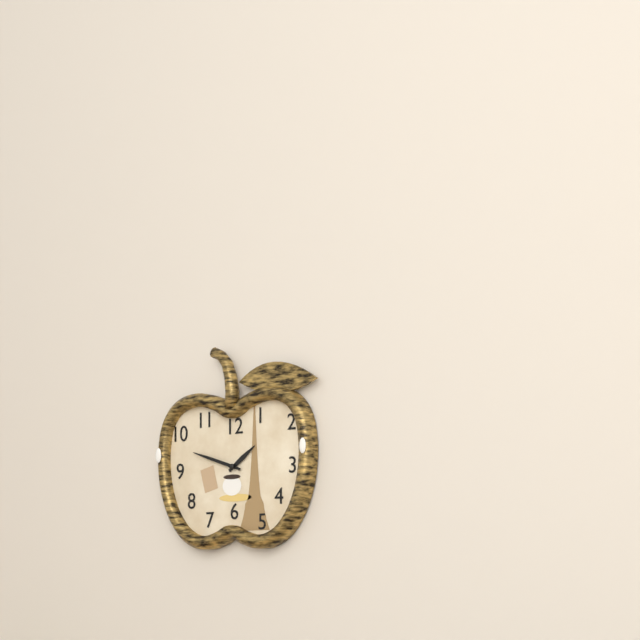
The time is 1h48
